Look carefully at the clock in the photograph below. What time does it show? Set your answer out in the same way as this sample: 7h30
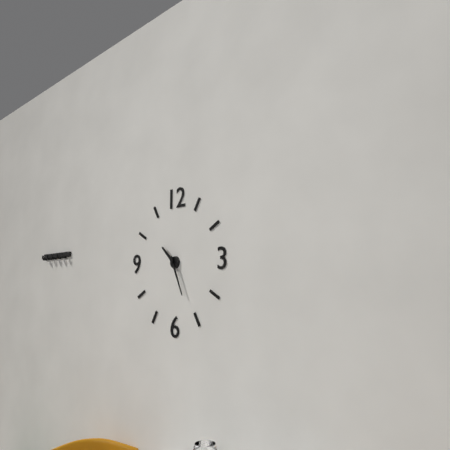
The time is 10h26
